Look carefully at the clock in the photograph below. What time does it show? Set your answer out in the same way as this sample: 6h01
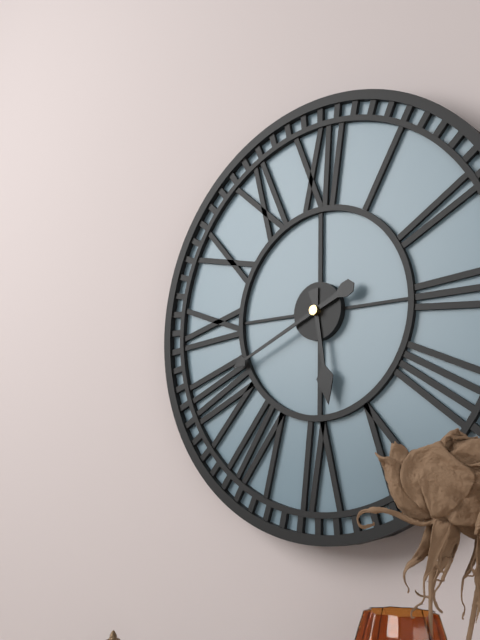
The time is 5h41
